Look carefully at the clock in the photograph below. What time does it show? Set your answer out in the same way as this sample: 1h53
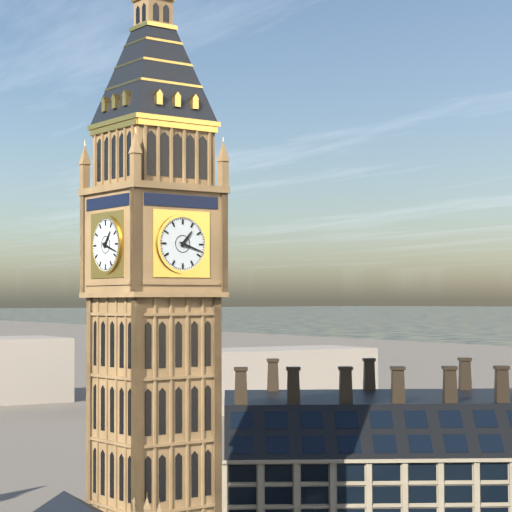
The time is 1h18
